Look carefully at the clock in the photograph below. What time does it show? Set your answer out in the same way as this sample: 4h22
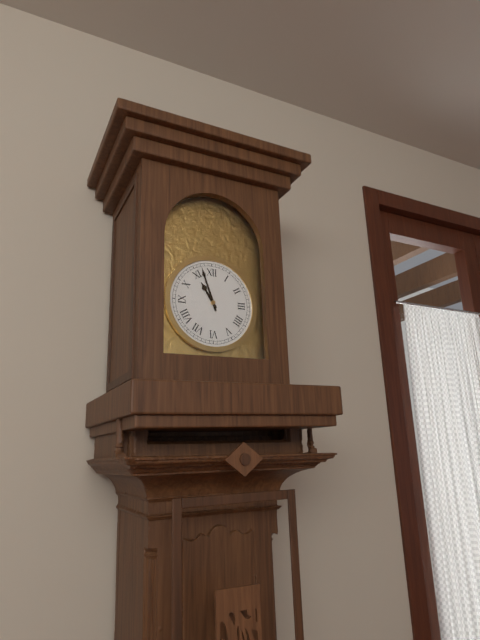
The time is 10h57
